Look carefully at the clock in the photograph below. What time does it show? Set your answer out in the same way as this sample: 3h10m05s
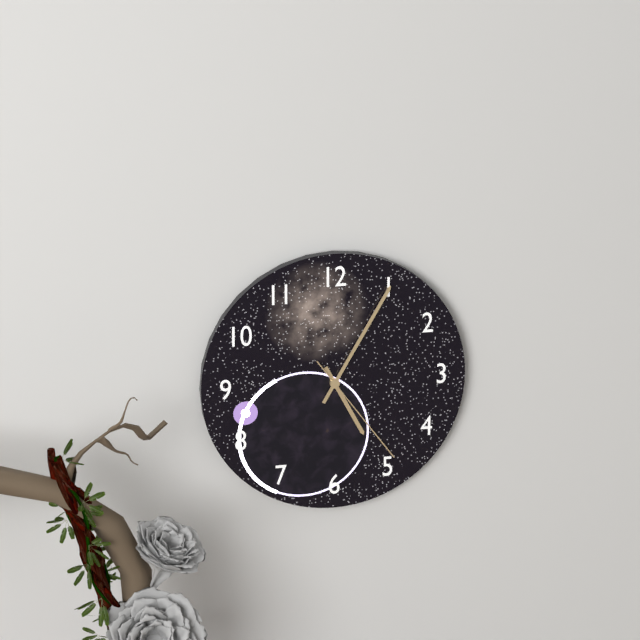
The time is 5h05m24s
